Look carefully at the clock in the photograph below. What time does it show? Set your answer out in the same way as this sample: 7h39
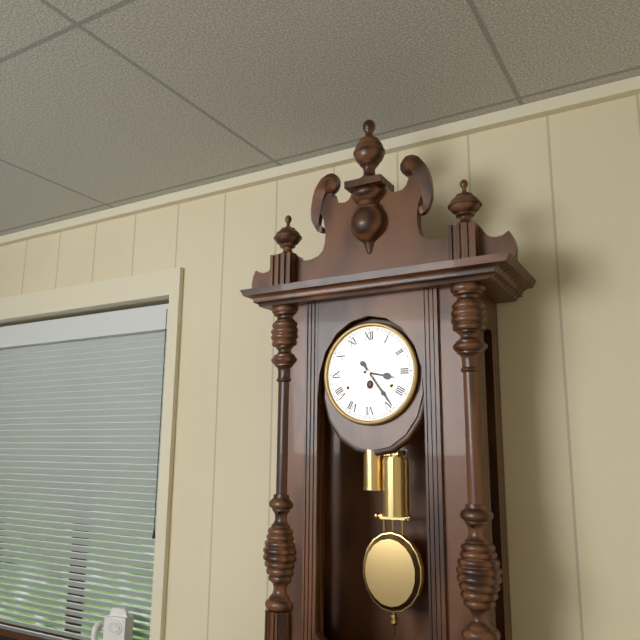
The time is 3h24
